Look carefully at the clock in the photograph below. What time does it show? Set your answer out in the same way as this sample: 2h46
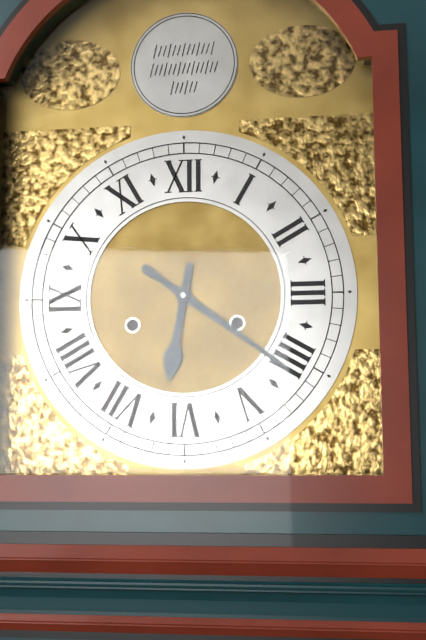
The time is 6h21
